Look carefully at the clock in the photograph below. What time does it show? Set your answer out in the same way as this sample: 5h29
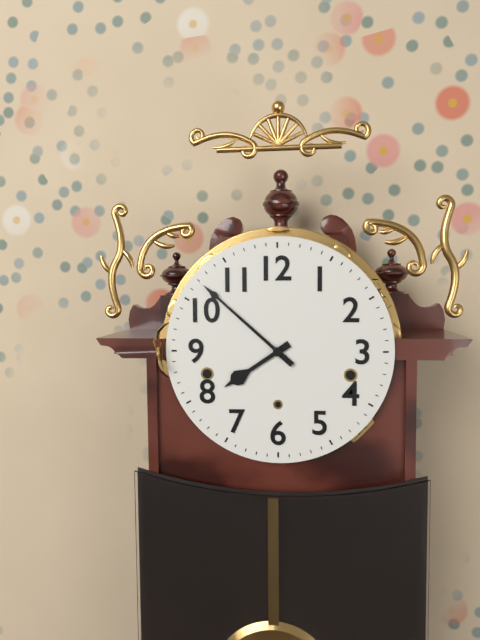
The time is 7h52
